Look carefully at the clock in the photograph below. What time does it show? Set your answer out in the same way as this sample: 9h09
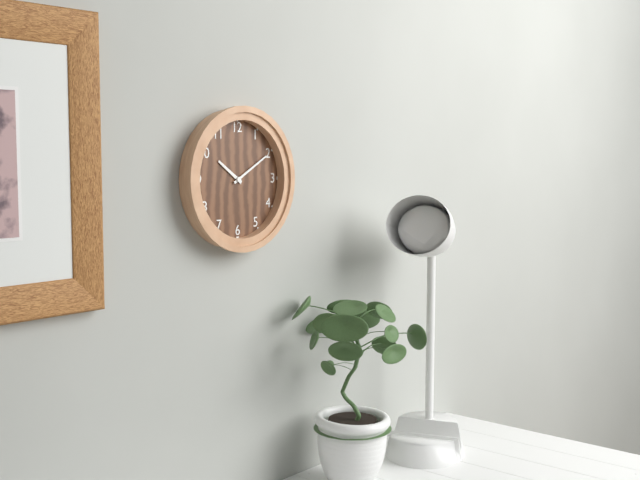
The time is 10h10
